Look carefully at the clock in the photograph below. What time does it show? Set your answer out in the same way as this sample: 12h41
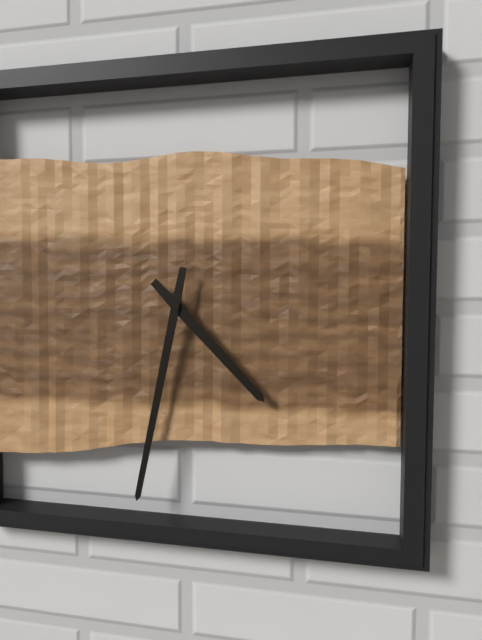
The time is 4h32
